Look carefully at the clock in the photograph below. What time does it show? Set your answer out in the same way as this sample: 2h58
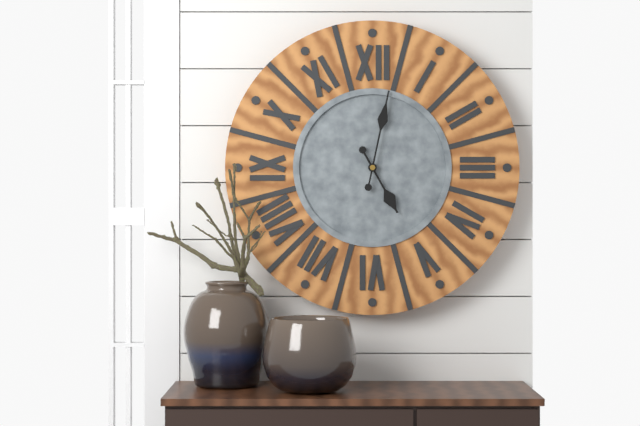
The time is 5h02
